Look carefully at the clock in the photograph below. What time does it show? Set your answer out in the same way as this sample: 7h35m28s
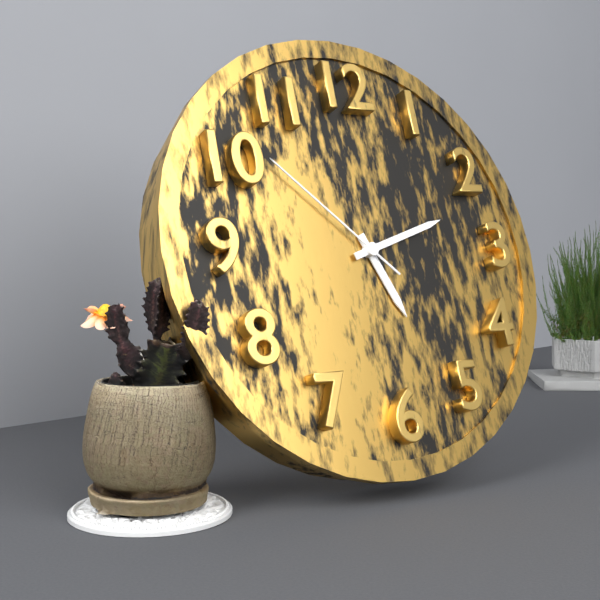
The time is 5h12m52s
